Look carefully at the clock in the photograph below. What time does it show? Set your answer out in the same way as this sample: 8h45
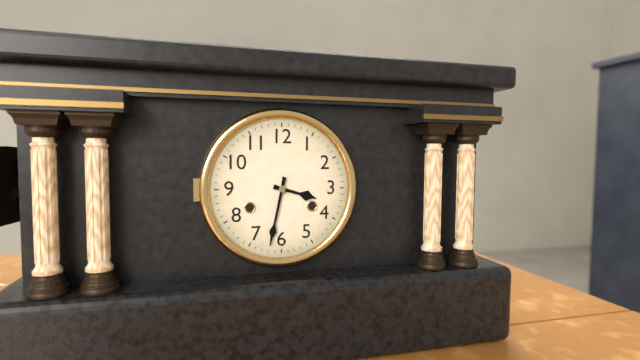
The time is 3h32
